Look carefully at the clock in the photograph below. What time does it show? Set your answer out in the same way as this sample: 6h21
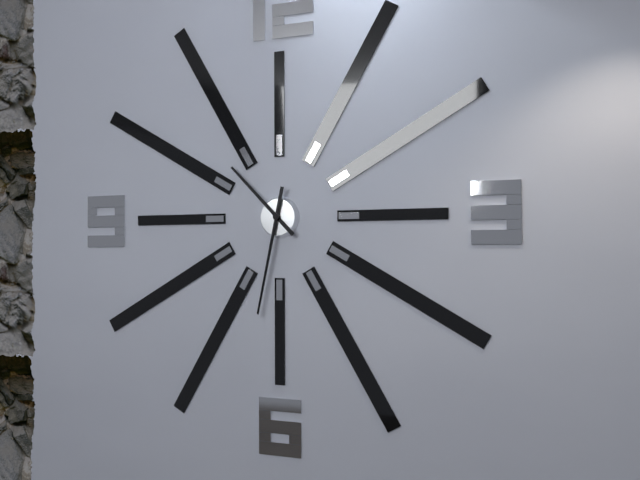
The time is 10h32
